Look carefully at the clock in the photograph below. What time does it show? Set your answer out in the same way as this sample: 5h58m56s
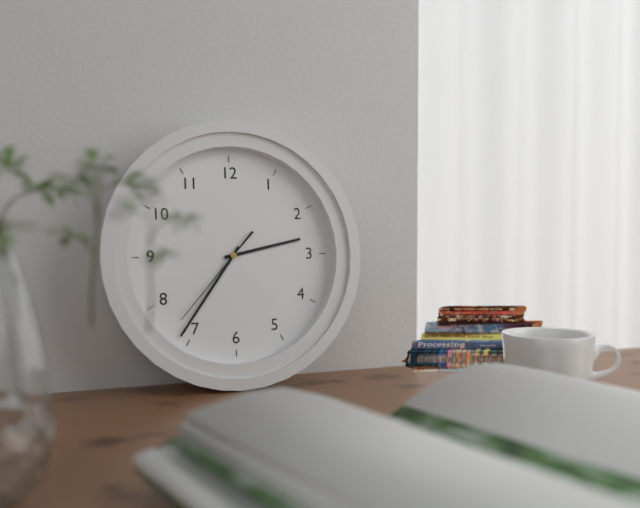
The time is 2h36m37s
